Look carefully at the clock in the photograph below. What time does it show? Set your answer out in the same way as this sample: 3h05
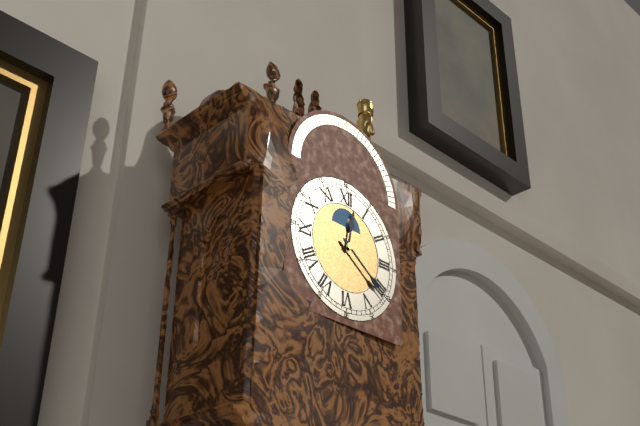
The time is 12h21
